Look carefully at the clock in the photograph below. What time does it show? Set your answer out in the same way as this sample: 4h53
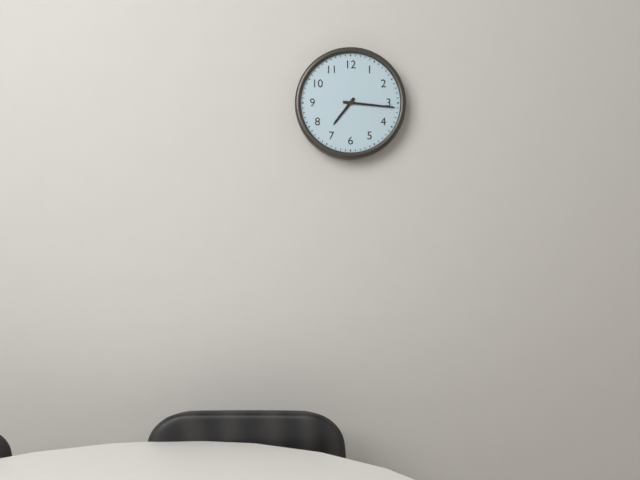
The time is 7h16
